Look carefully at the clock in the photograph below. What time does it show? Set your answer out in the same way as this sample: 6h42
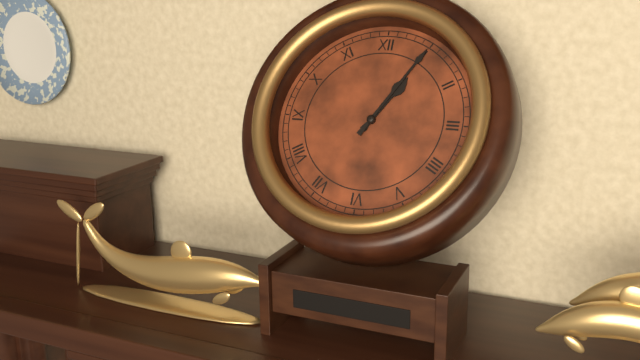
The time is 1h05
